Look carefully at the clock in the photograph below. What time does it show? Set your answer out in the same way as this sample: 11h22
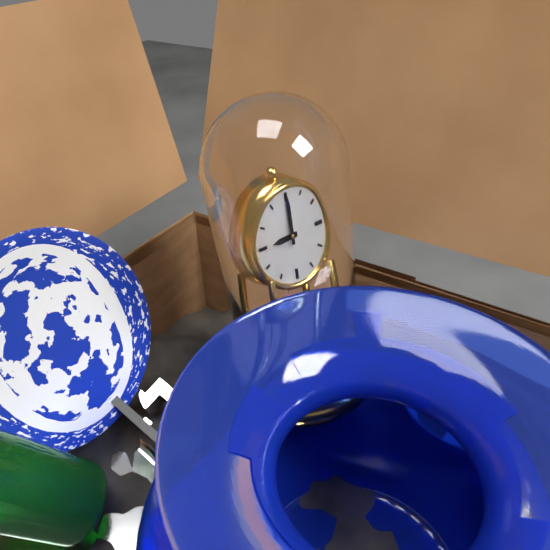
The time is 9h00
